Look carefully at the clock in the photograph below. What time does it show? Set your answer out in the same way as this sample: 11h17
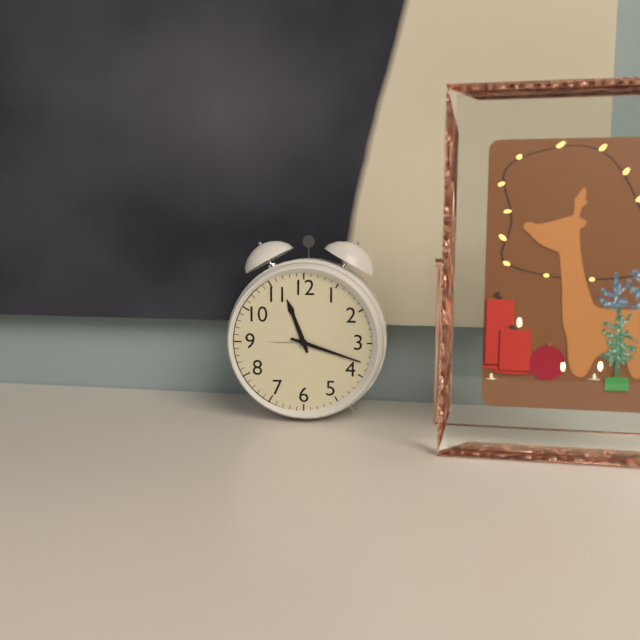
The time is 11h18
